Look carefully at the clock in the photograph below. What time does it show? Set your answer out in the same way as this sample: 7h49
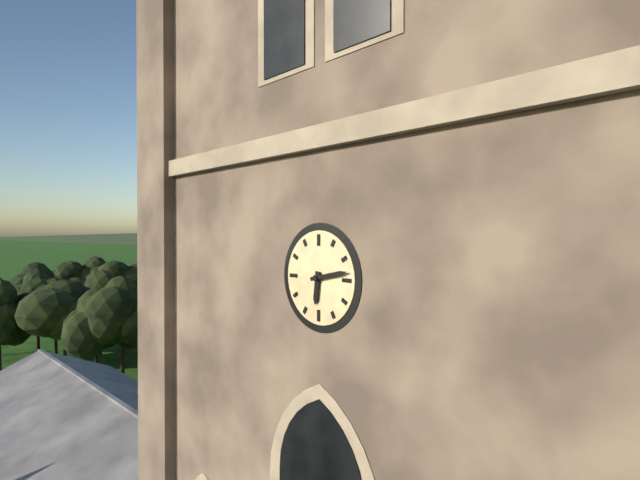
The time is 6h13
